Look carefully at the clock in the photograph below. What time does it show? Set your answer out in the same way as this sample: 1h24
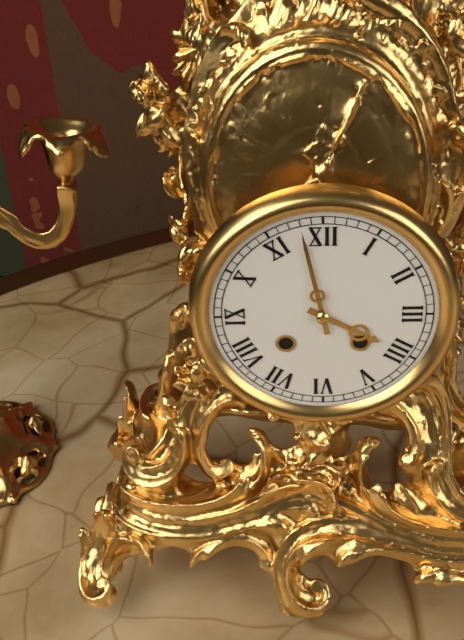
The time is 3h58
